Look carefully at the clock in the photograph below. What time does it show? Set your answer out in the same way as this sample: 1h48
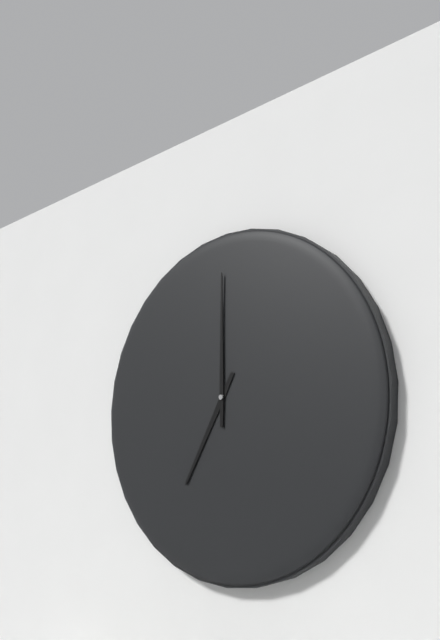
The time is 7h00
